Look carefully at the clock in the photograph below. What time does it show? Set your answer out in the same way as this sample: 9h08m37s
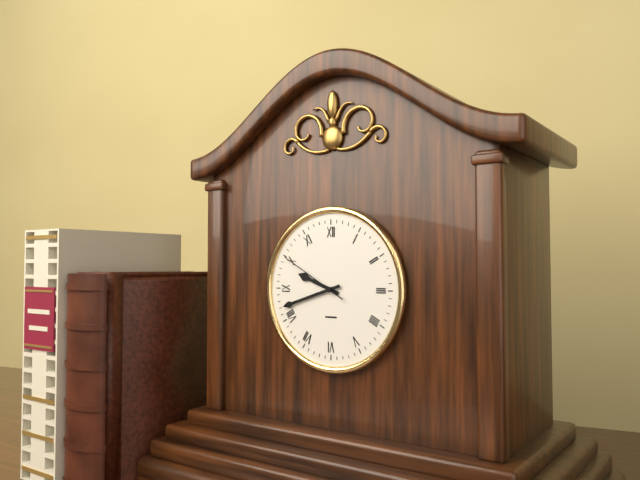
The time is 9h42m50s
